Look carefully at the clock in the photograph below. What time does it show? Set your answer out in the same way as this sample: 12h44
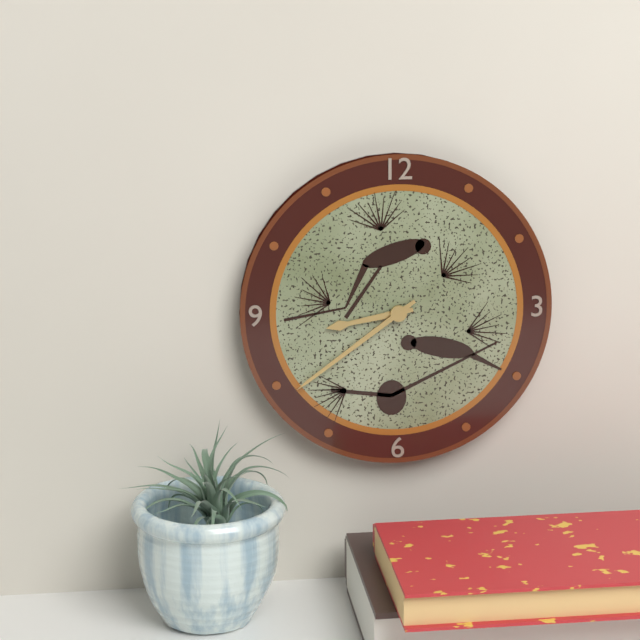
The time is 8h39
